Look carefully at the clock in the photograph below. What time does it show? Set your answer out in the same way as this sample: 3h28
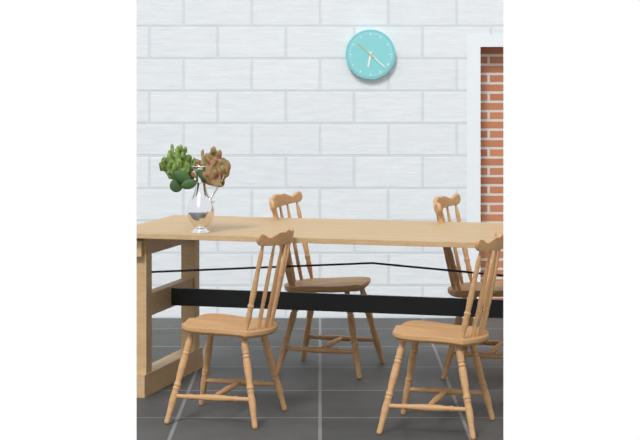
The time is 6h22
